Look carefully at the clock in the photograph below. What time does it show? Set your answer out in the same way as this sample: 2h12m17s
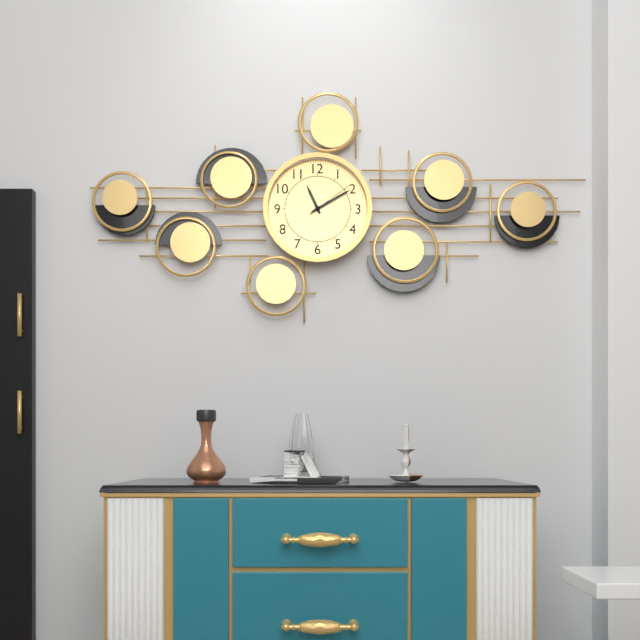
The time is 11h10m09s
